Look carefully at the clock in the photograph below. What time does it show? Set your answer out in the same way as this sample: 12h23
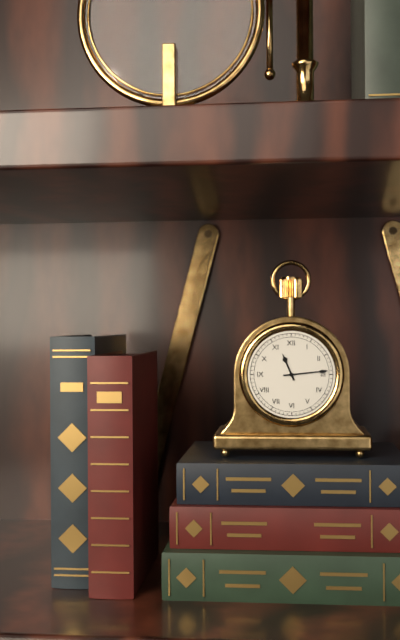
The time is 11h14
